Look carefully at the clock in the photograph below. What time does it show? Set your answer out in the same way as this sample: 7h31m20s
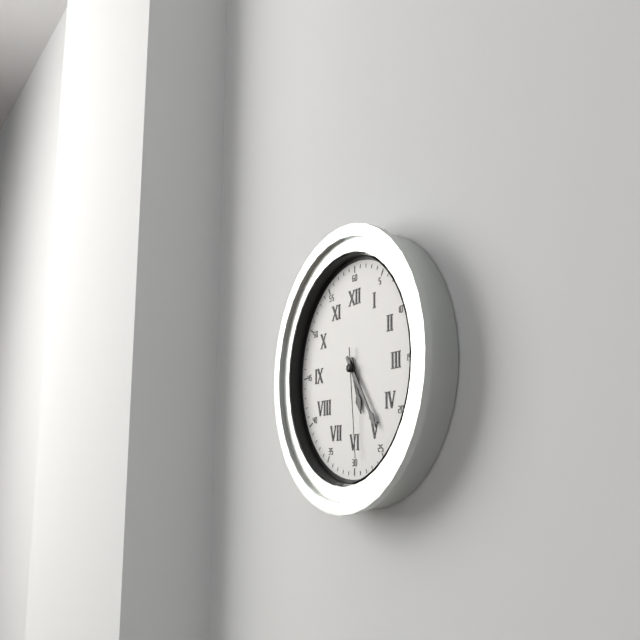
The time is 5h24m29s
